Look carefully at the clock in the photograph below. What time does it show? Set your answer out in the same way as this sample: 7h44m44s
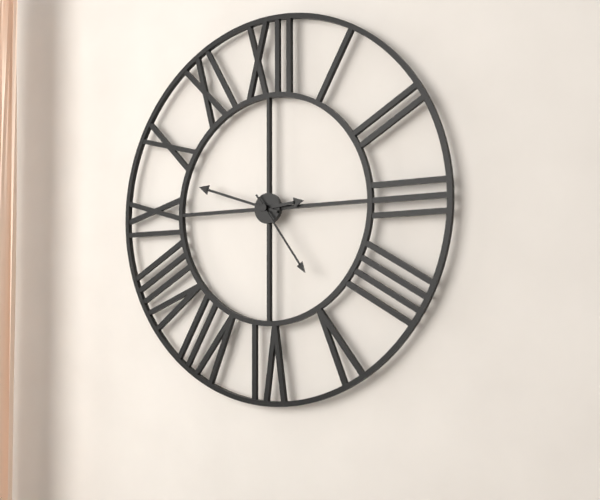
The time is 2h48m24s
